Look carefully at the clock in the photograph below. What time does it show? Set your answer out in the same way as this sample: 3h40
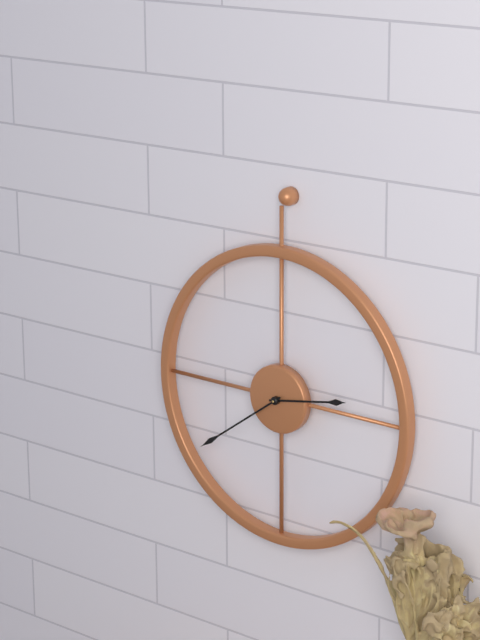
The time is 2h39
